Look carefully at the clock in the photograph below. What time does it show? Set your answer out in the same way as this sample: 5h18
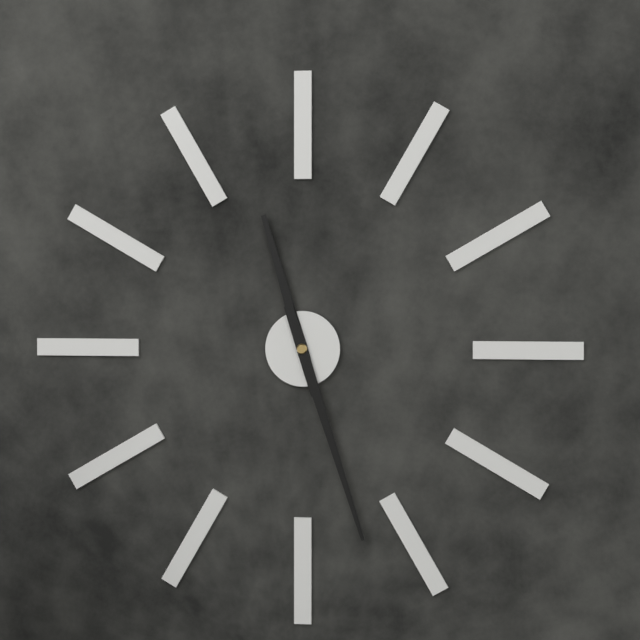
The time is 11h27
